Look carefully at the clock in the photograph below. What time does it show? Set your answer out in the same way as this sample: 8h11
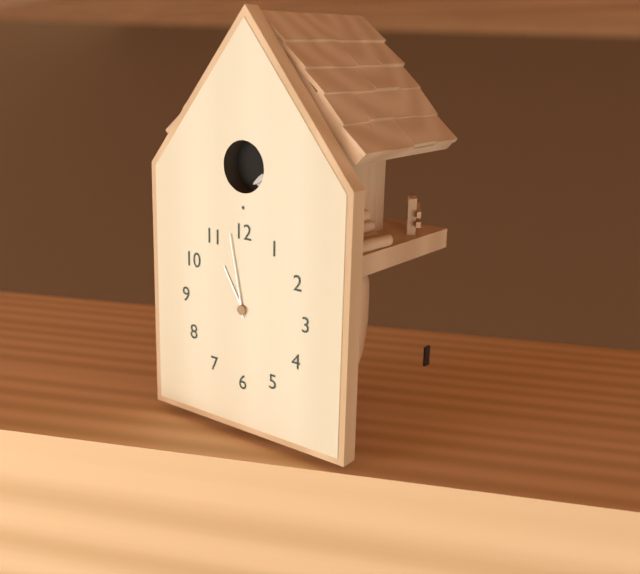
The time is 10h58
